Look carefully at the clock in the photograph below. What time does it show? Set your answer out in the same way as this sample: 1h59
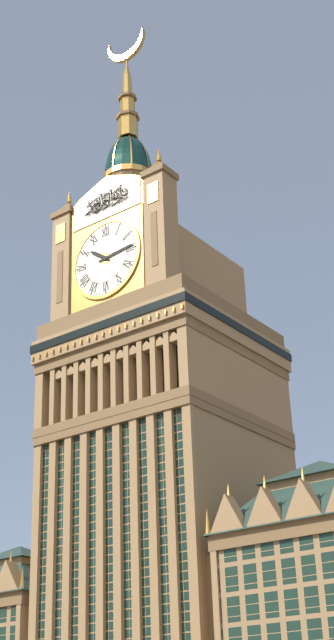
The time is 10h14
